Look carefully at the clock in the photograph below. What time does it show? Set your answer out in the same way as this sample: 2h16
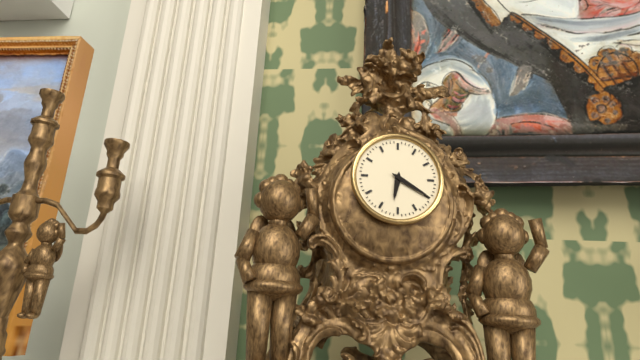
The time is 6h20
